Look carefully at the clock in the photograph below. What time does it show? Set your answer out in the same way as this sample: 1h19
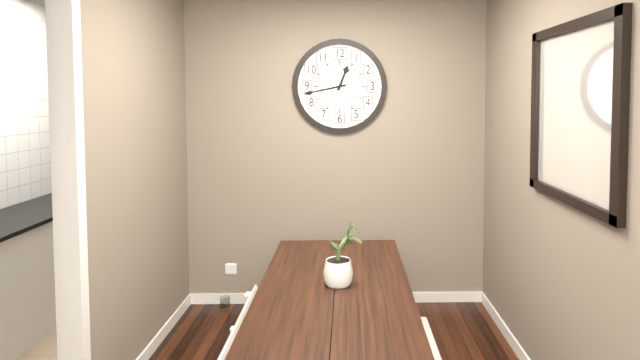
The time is 12h43
